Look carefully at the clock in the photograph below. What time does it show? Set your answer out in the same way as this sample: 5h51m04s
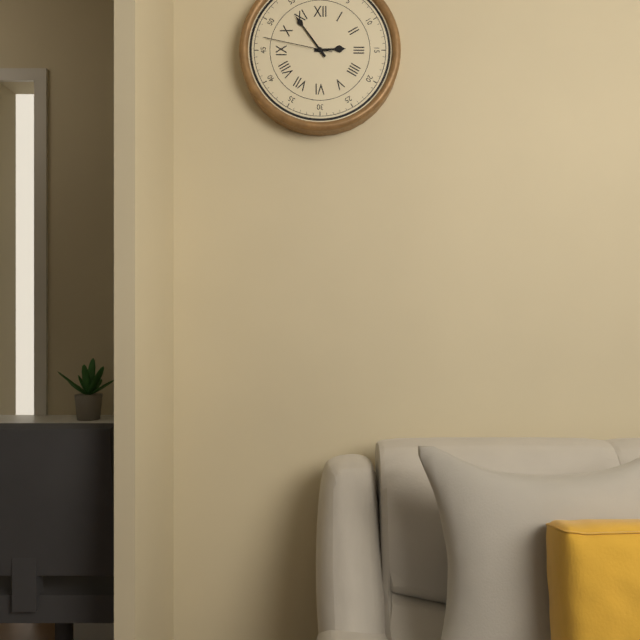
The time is 2h54m47s
